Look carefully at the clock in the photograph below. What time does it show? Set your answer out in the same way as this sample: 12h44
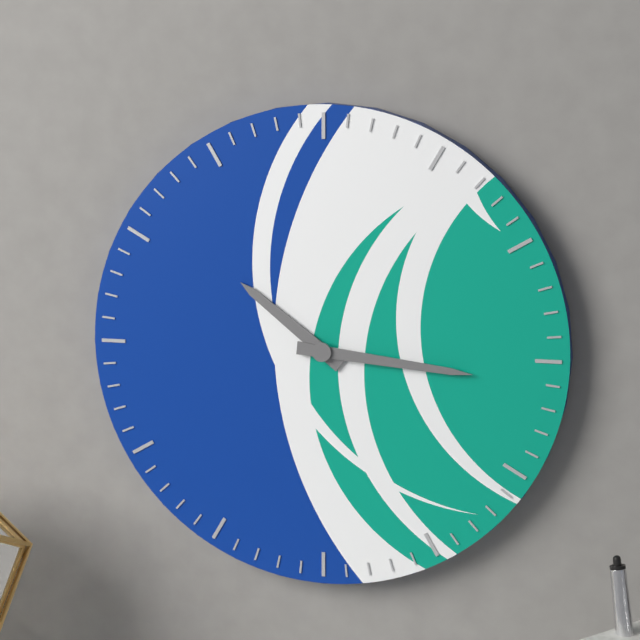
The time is 10h16
